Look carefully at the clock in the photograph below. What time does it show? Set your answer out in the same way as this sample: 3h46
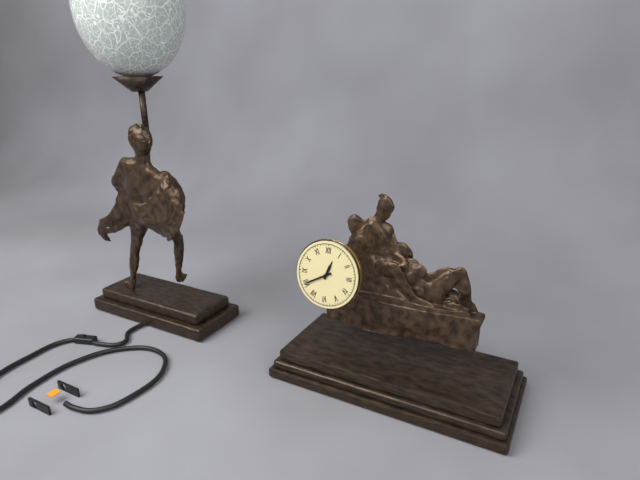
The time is 12h40
